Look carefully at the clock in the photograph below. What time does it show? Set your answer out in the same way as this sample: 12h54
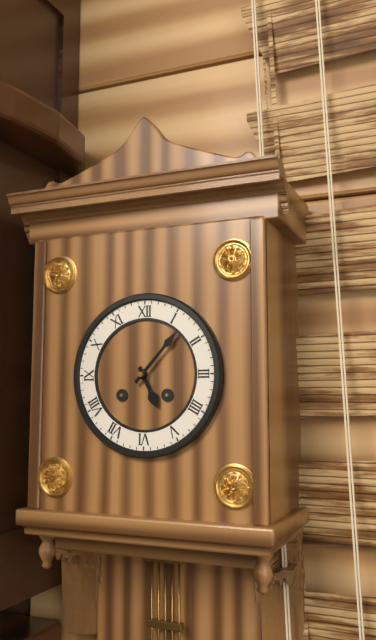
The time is 5h07
